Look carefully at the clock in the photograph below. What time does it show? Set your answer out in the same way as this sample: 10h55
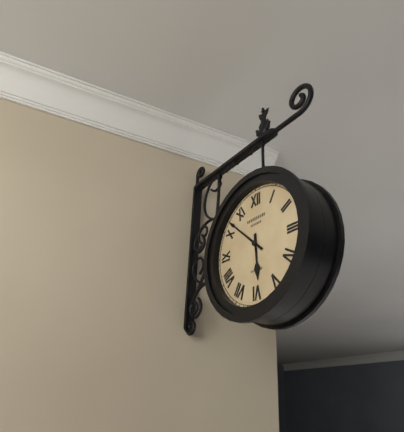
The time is 5h52
